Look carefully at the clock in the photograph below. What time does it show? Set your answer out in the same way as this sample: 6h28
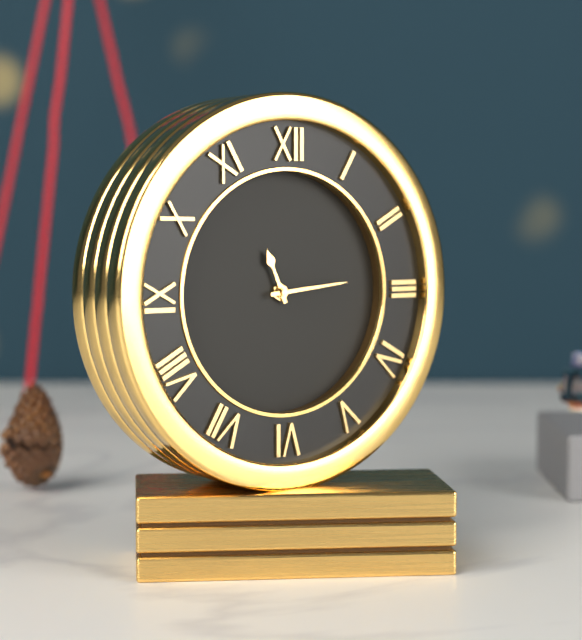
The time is 11h14
